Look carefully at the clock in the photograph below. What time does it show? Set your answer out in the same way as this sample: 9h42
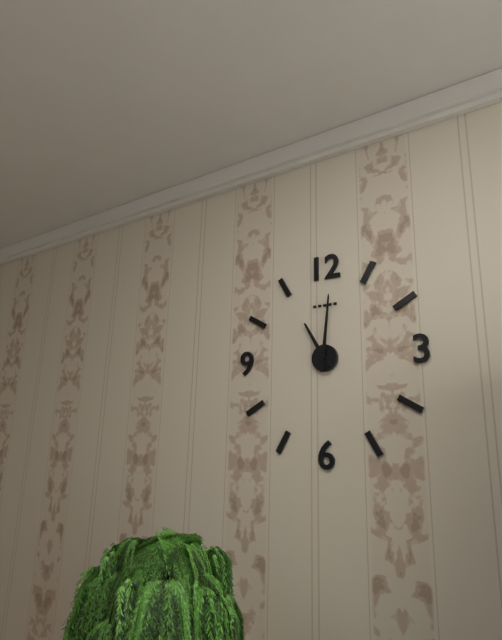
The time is 11h01
